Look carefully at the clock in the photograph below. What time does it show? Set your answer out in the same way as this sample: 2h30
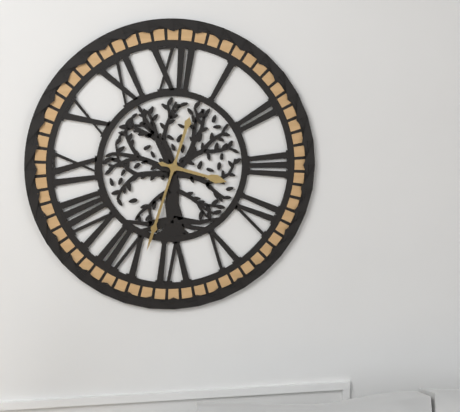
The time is 3h33
